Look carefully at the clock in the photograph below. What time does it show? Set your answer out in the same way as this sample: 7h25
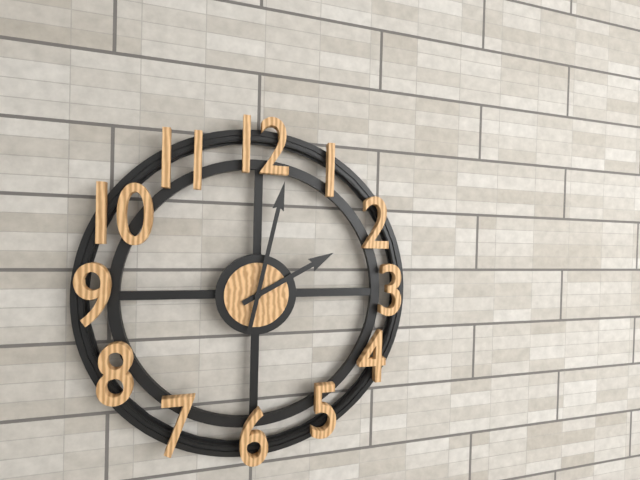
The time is 2h02
